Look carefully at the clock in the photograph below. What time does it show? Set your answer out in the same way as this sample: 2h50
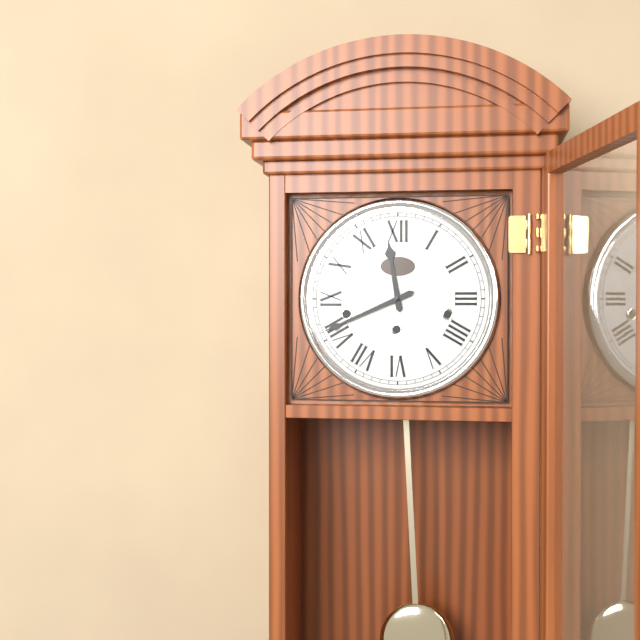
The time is 11h41
